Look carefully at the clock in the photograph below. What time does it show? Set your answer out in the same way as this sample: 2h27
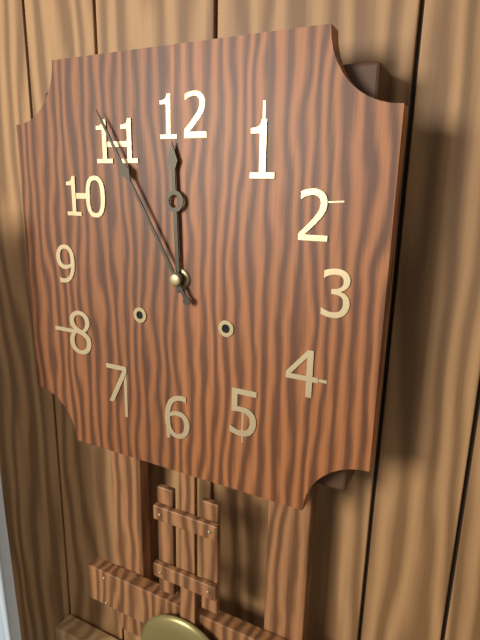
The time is 11h55
